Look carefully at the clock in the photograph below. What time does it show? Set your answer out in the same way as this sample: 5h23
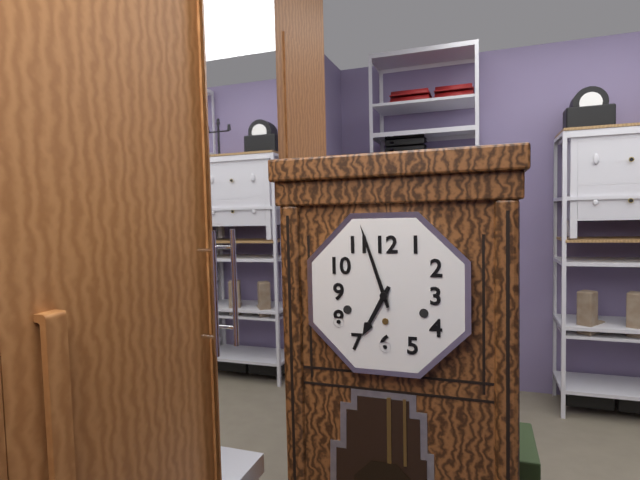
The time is 6h57
